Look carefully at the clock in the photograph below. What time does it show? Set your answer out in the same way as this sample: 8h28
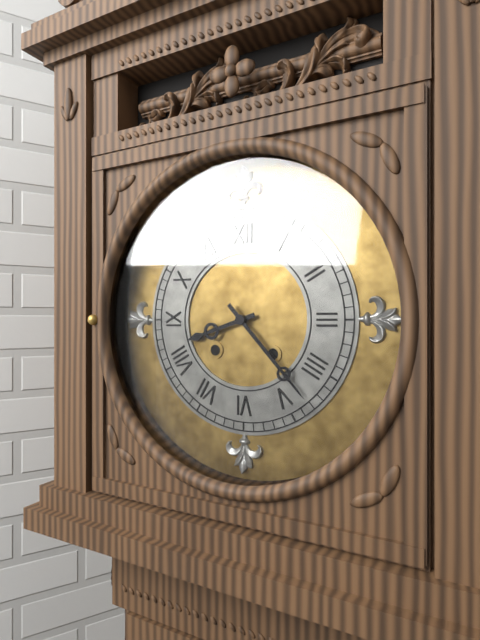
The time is 8h23
